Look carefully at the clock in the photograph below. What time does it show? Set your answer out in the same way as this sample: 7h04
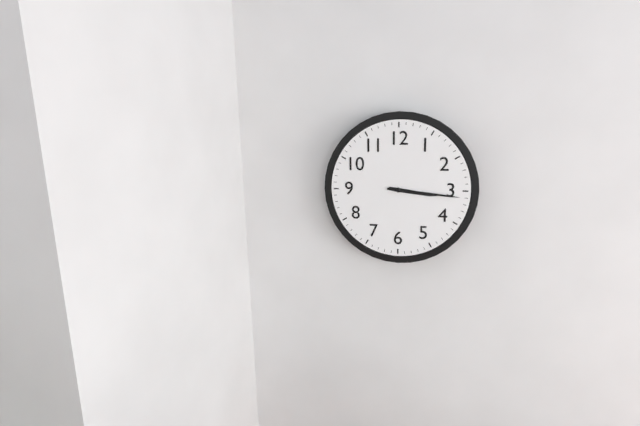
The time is 3h16
